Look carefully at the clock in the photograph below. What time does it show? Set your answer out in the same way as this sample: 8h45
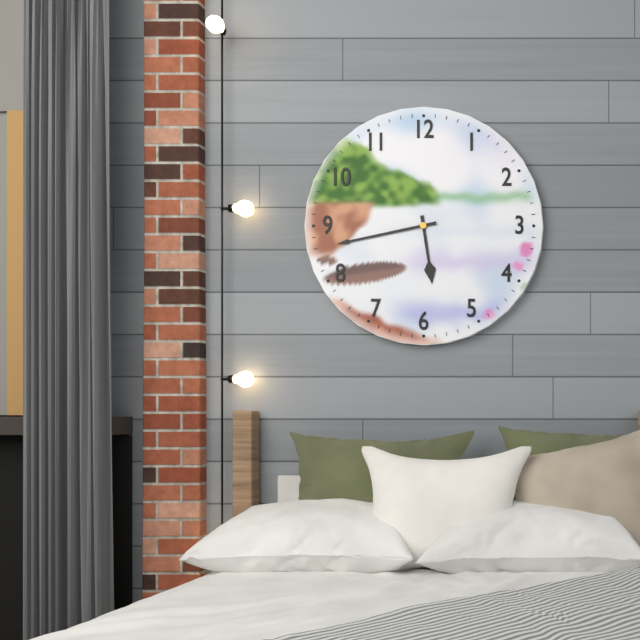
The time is 5h43
